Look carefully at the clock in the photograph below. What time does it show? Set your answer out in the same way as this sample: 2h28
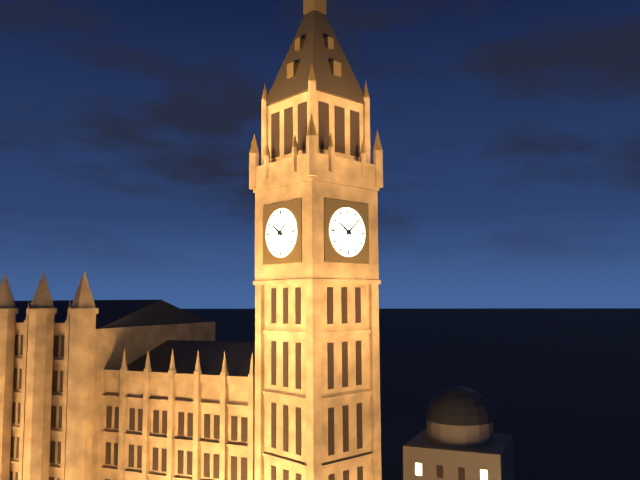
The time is 10h08
